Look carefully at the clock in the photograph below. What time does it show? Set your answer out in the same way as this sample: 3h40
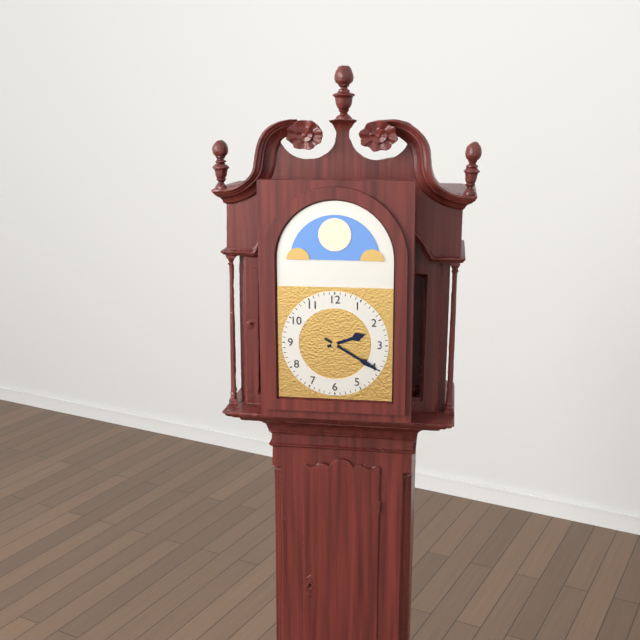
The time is 2h20
